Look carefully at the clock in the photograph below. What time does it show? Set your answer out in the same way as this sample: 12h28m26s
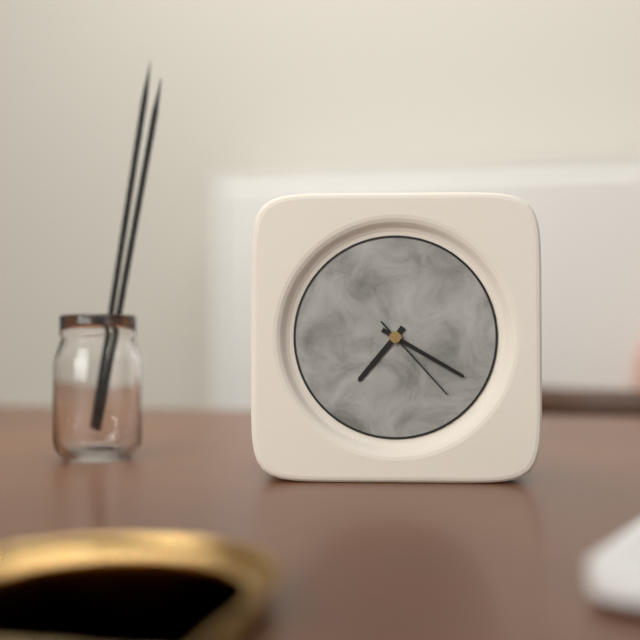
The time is 7h20m23s
